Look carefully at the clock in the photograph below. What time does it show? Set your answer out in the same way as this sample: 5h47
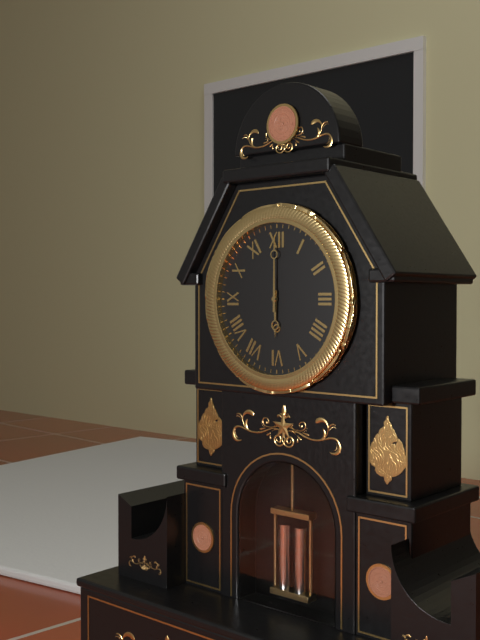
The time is 6h00
